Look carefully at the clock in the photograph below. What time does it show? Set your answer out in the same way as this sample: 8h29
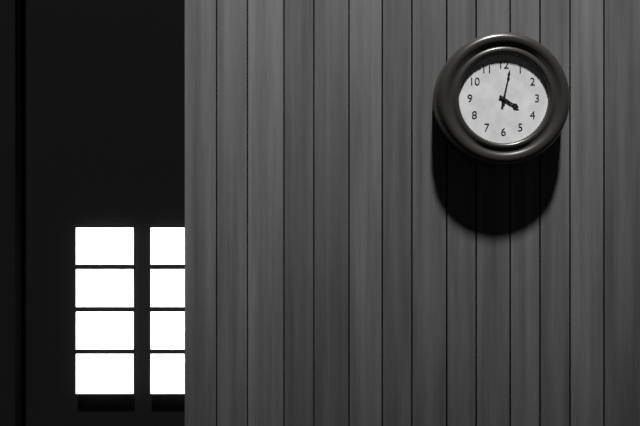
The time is 4h02
